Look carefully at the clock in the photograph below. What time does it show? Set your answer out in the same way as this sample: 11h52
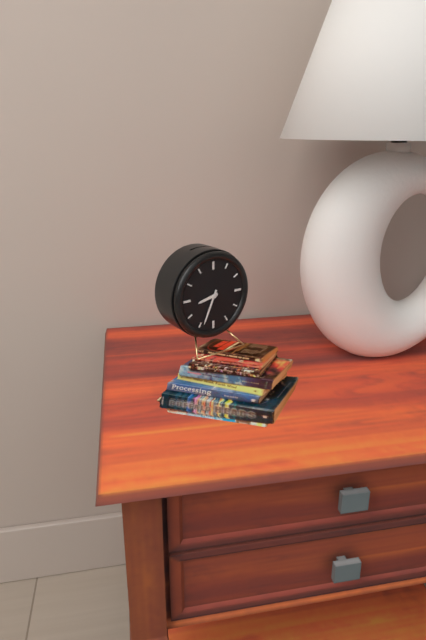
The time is 8h34
